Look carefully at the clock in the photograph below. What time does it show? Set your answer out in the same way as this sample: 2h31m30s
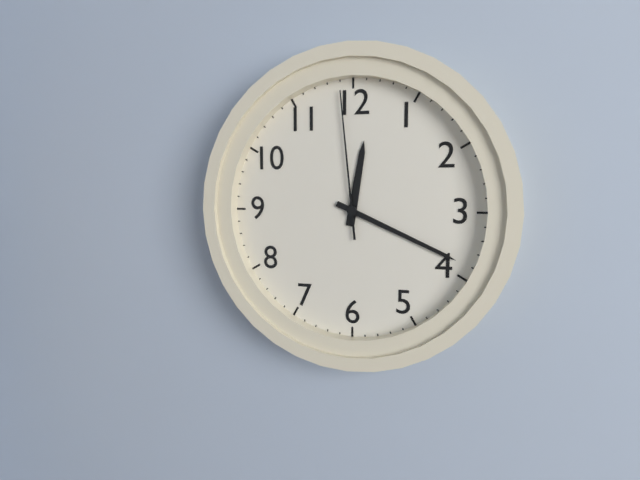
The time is 12h19m59s
